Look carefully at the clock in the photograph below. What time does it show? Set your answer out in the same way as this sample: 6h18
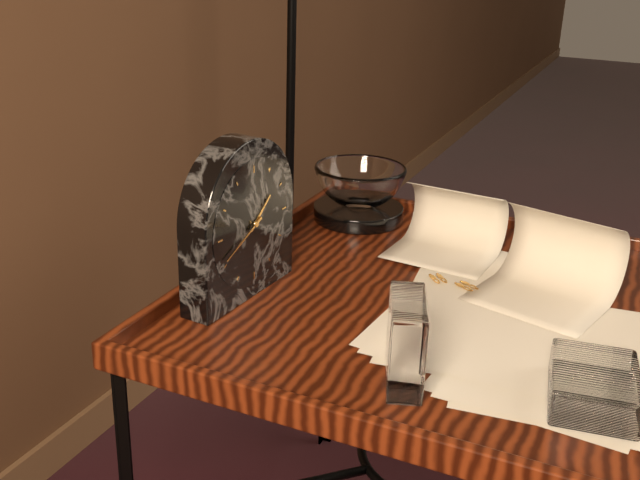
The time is 1h41
